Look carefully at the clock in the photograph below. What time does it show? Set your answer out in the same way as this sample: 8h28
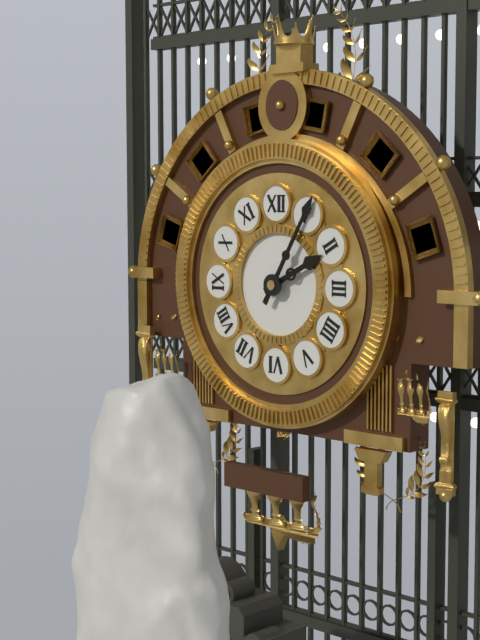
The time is 2h05
